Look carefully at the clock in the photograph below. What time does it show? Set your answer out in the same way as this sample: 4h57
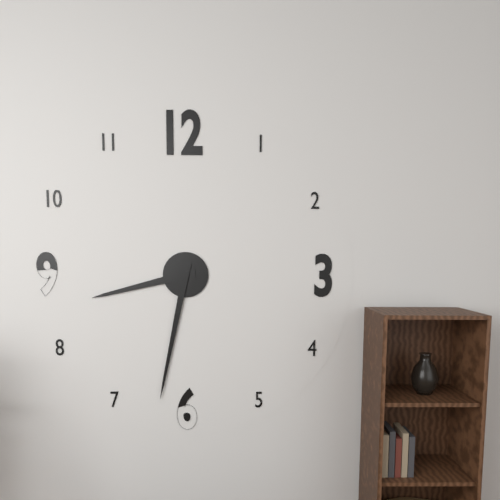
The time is 8h32
